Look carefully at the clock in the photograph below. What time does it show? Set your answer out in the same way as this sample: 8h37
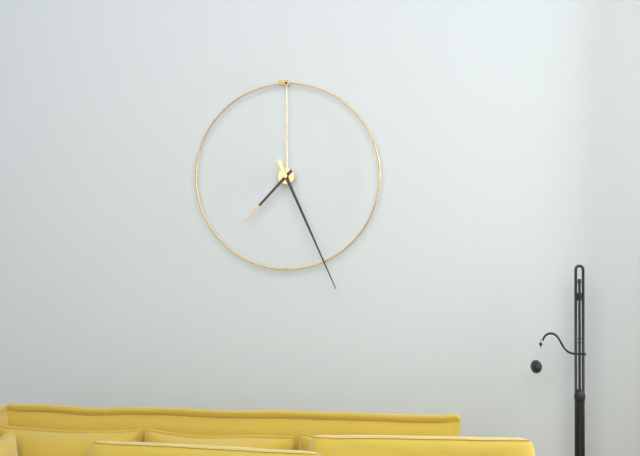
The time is 7h26
